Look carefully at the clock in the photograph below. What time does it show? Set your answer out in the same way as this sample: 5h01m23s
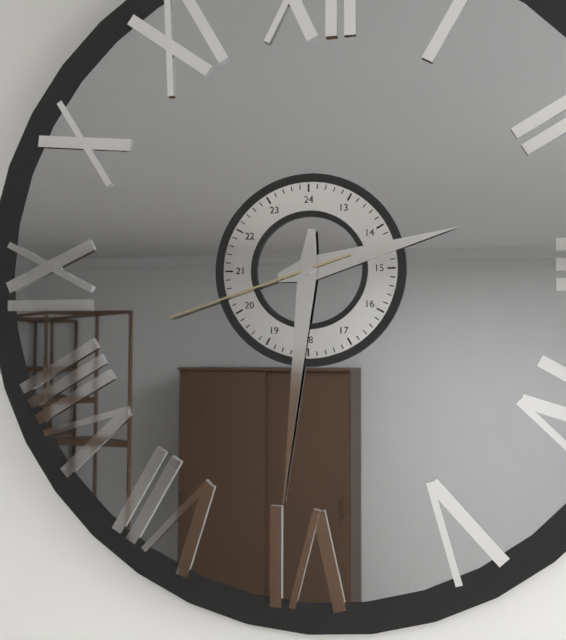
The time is 2h31m42s
